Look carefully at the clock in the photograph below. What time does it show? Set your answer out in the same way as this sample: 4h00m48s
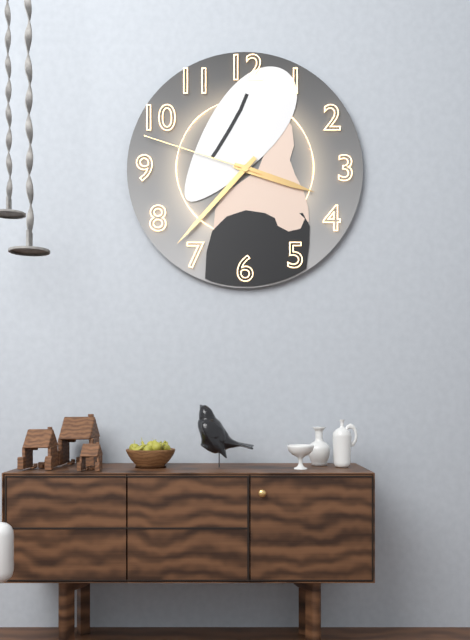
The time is 3h37m48s
